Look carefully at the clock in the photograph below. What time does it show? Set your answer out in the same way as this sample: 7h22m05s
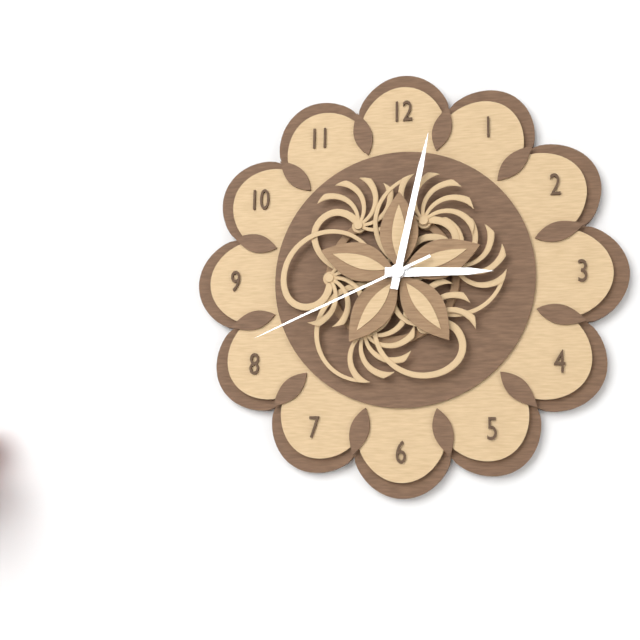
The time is 3h02m41s
